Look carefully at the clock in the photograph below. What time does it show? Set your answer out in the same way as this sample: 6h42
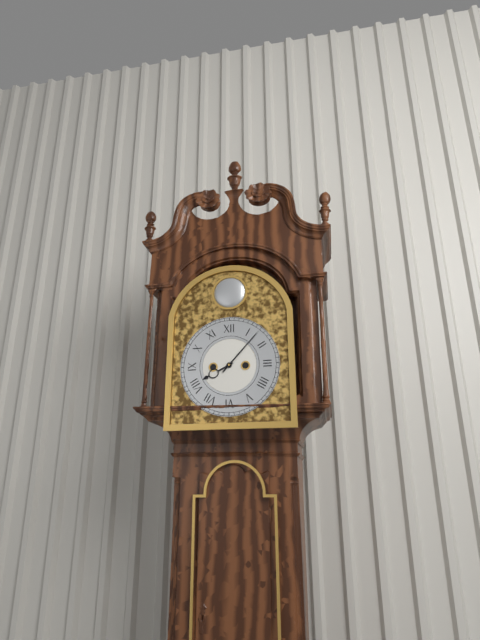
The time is 8h07
